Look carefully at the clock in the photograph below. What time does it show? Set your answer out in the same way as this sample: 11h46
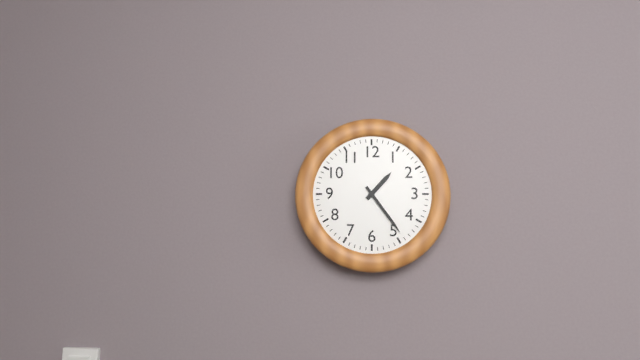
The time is 1h24
